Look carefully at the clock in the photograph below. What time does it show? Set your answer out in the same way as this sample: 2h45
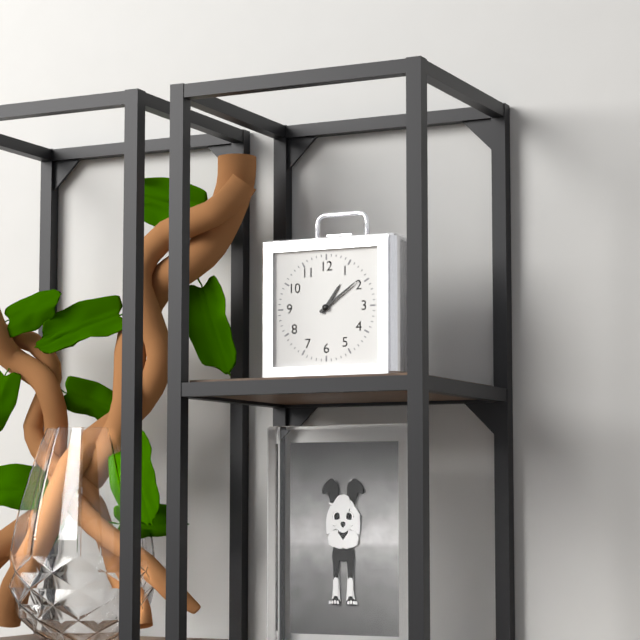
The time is 1h09
